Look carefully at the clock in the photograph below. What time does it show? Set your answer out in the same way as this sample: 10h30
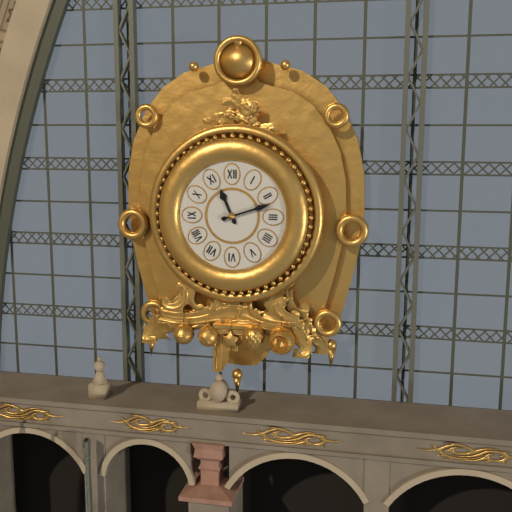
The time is 11h12
